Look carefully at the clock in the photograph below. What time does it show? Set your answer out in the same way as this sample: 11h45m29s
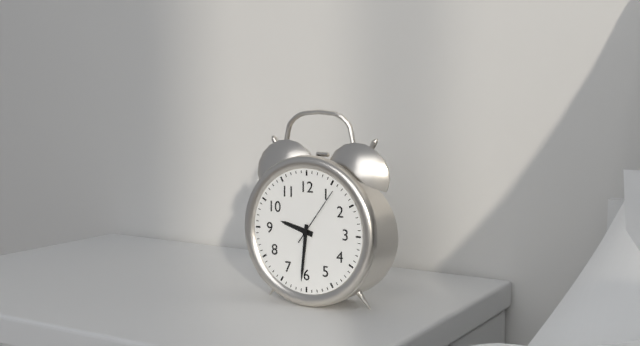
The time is 9h31m06s
